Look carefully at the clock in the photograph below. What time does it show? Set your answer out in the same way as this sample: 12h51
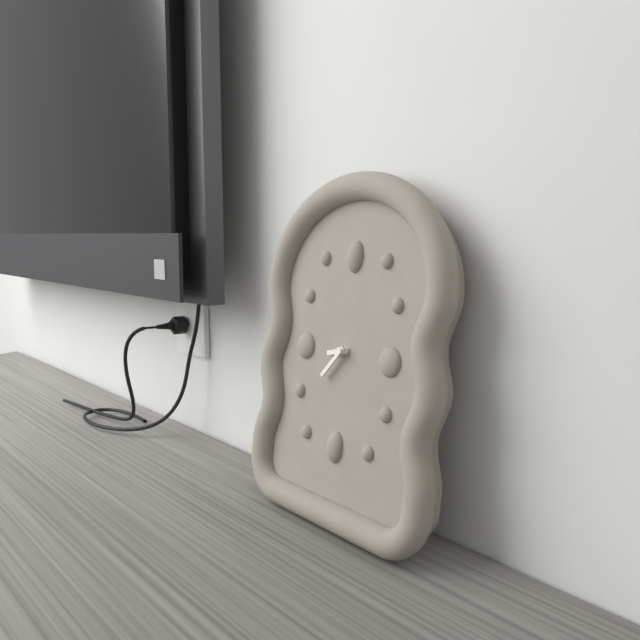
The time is 8h37
